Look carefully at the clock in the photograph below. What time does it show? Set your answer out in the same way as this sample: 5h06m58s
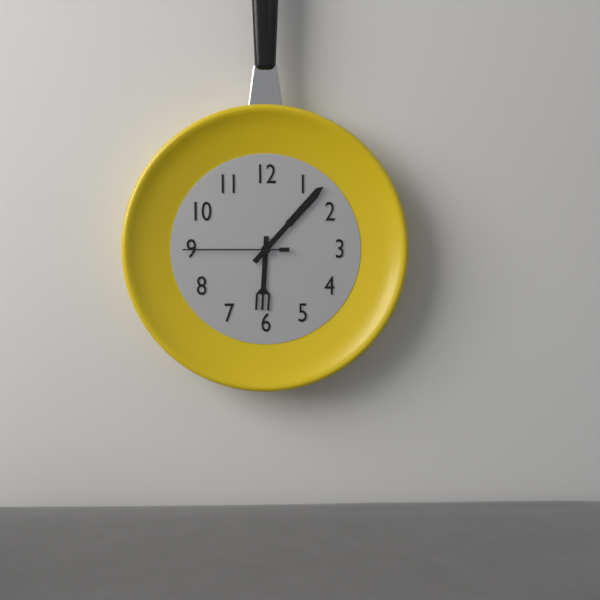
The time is 6h07m45s
